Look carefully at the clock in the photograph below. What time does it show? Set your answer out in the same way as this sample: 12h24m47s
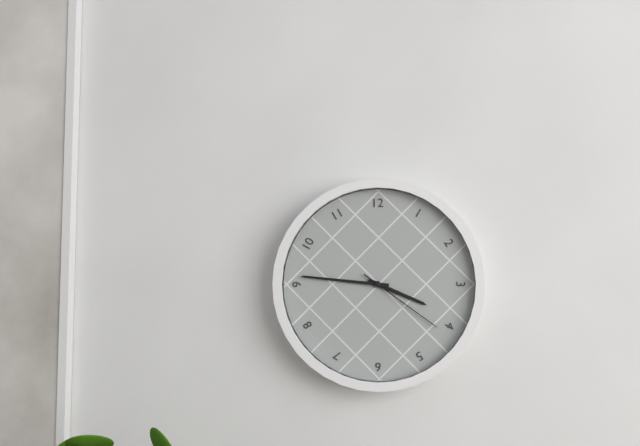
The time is 3h46m21s
